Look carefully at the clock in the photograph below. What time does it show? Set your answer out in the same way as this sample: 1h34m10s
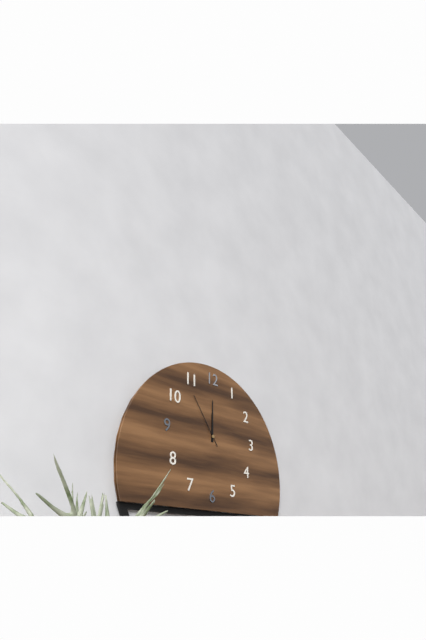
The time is 12h00m54s
